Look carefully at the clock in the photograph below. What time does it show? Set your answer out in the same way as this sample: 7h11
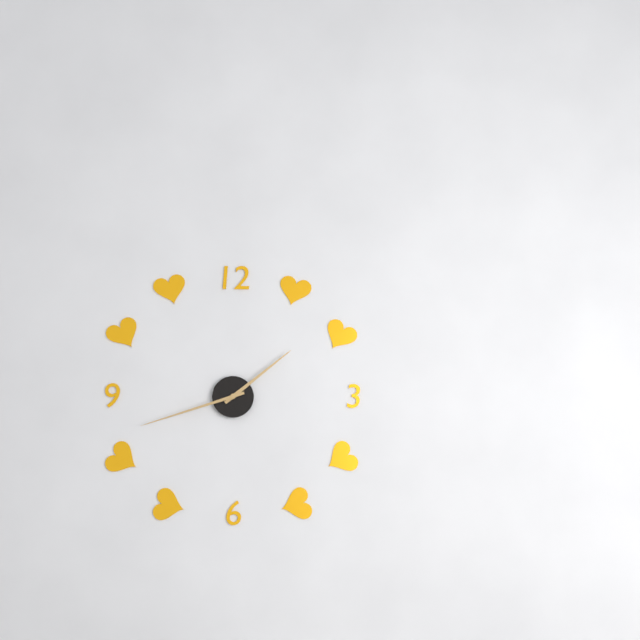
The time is 1h42
